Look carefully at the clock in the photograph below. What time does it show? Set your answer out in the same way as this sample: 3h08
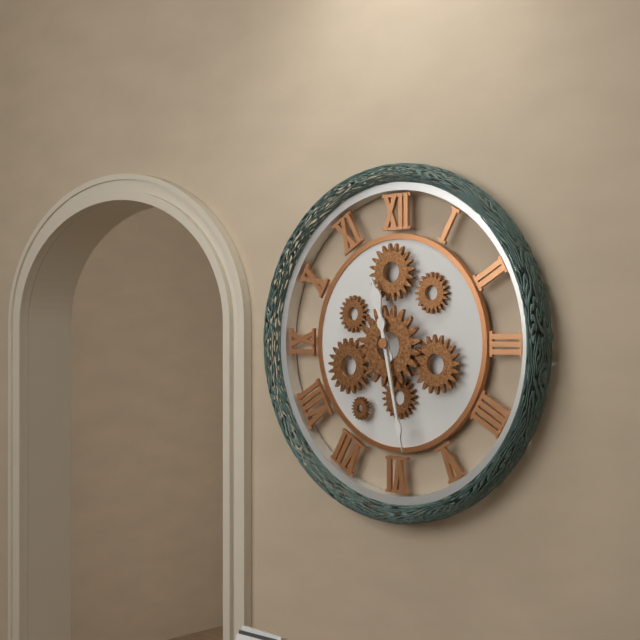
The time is 11h28
